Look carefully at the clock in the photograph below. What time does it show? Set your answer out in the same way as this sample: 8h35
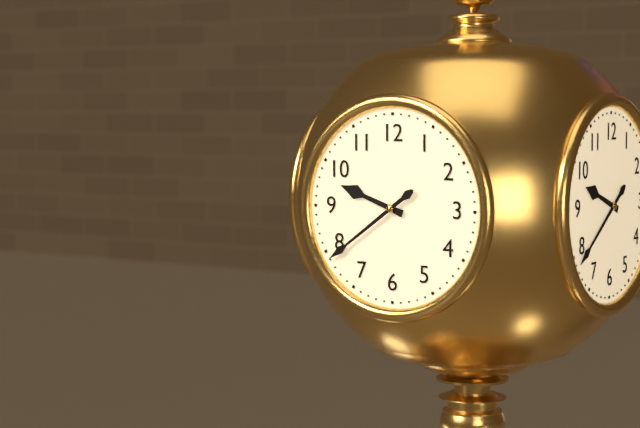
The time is 9h39
